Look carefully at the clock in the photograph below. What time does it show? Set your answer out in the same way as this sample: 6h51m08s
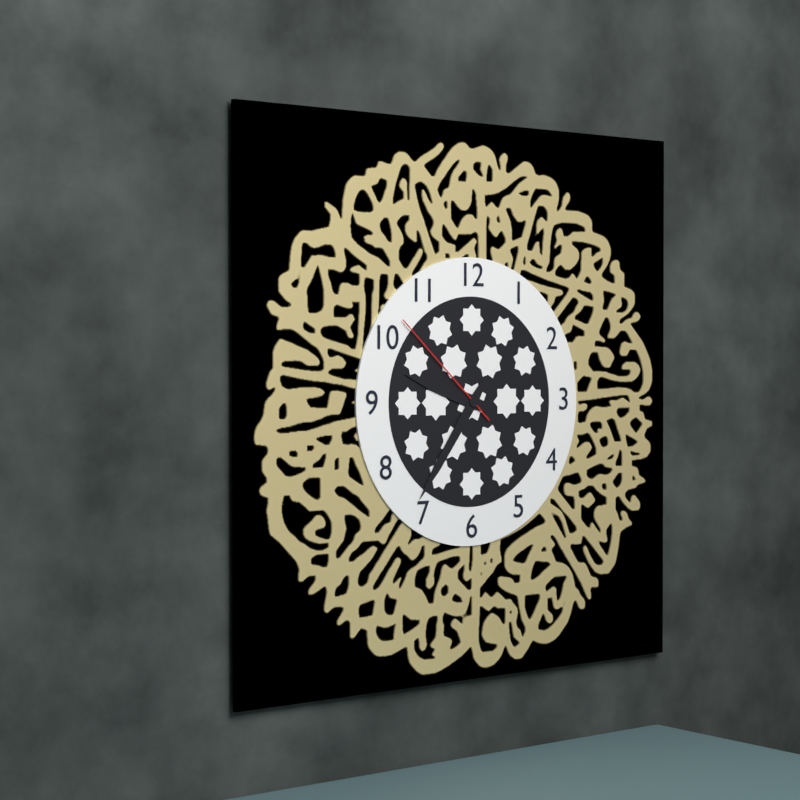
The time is 9h36m52s
